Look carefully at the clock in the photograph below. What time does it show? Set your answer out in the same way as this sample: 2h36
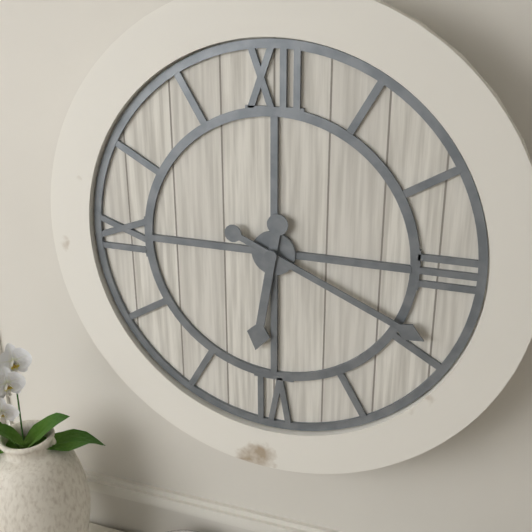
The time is 6h19
